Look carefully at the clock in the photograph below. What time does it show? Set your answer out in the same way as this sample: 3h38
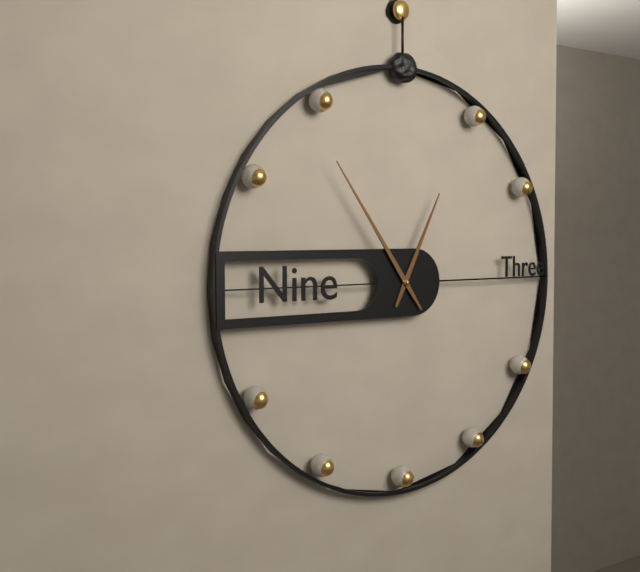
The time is 12h54
